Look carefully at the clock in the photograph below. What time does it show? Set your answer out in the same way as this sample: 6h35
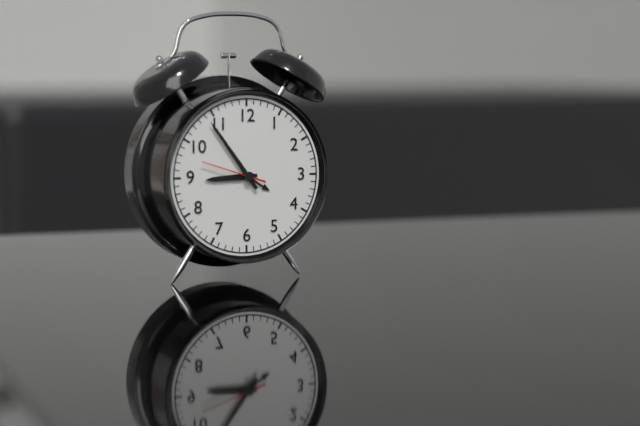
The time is 8h54
